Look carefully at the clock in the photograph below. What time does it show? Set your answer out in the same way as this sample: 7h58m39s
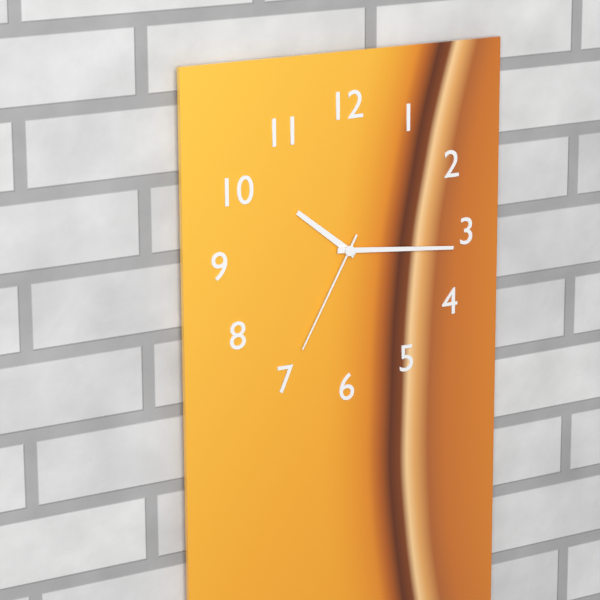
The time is 10h16m35s
